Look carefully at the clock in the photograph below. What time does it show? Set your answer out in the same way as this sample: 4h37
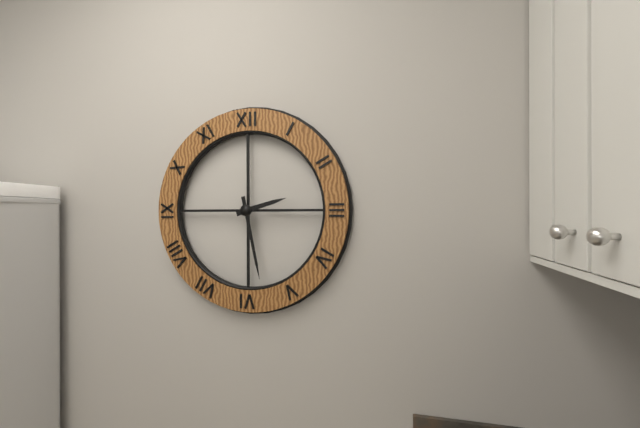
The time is 2h28
